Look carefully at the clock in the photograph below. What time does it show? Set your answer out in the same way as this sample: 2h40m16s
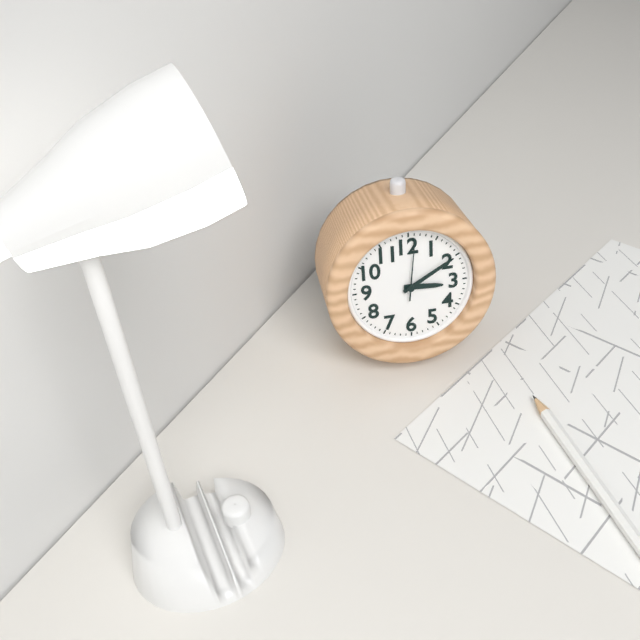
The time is 3h10m01s
